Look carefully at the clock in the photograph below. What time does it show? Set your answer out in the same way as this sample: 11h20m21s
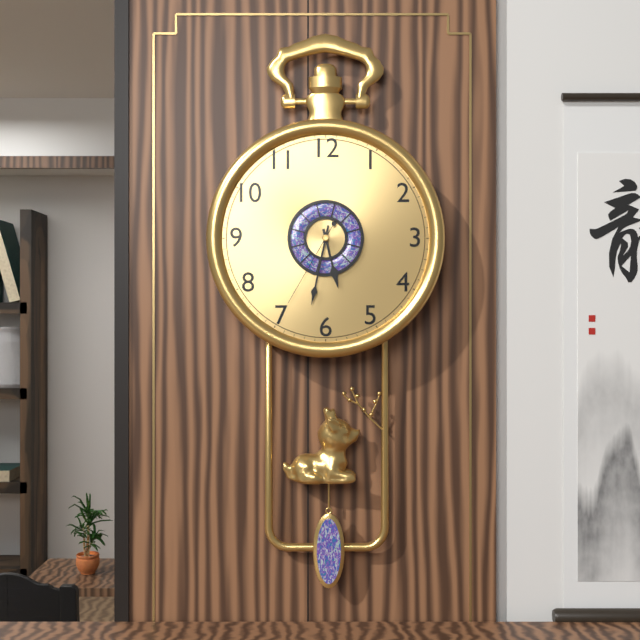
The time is 5h32m35s
